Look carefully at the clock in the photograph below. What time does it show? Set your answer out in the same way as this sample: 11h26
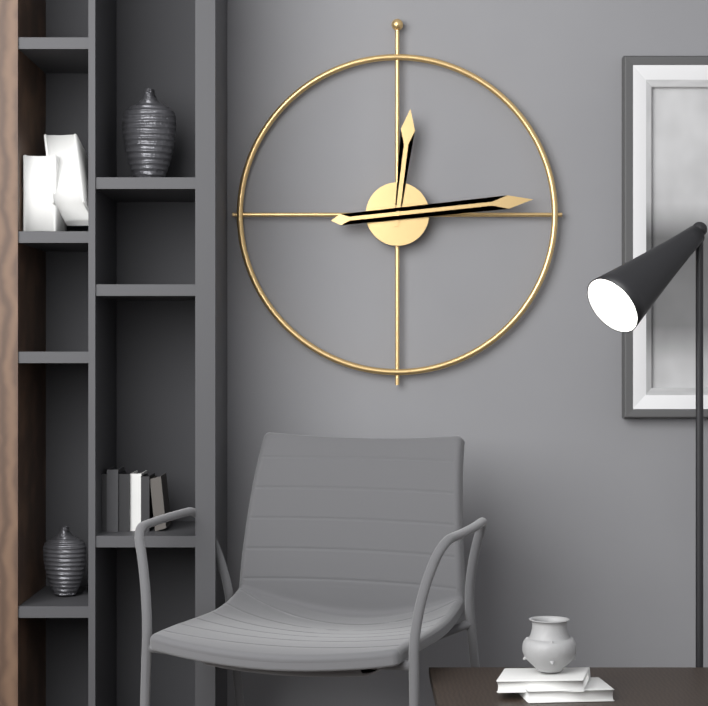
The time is 12h14
